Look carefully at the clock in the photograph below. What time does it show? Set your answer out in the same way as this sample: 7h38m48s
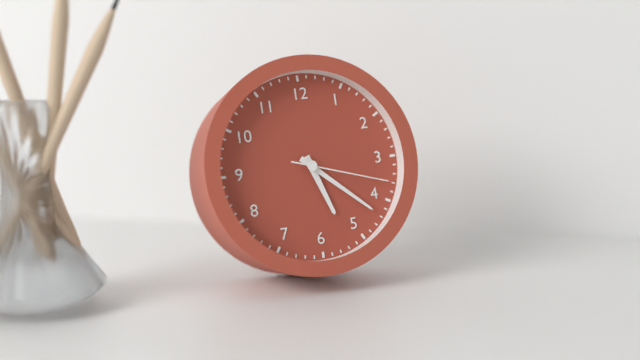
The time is 5h22m18s
